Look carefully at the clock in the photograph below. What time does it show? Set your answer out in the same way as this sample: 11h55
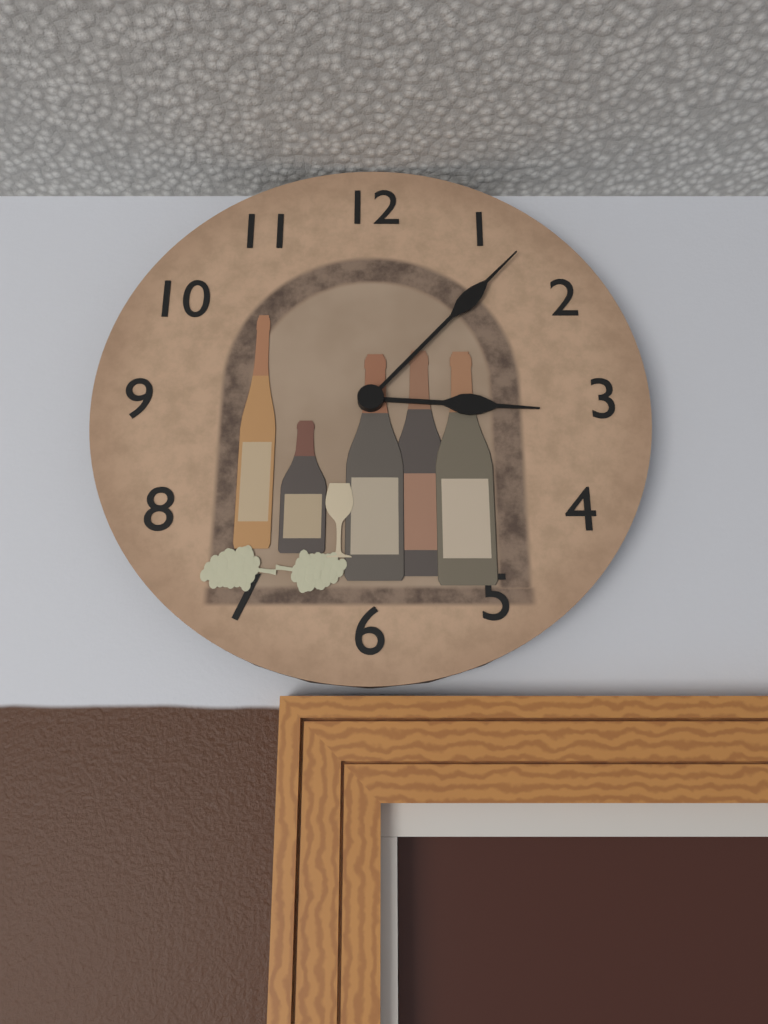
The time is 3h07
